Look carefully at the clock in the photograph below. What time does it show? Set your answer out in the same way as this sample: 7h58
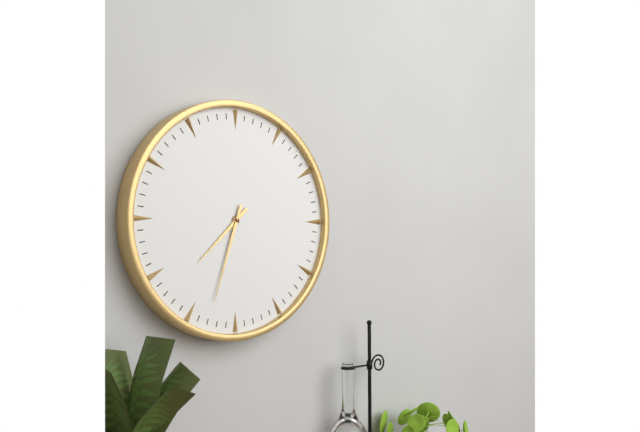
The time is 7h33
